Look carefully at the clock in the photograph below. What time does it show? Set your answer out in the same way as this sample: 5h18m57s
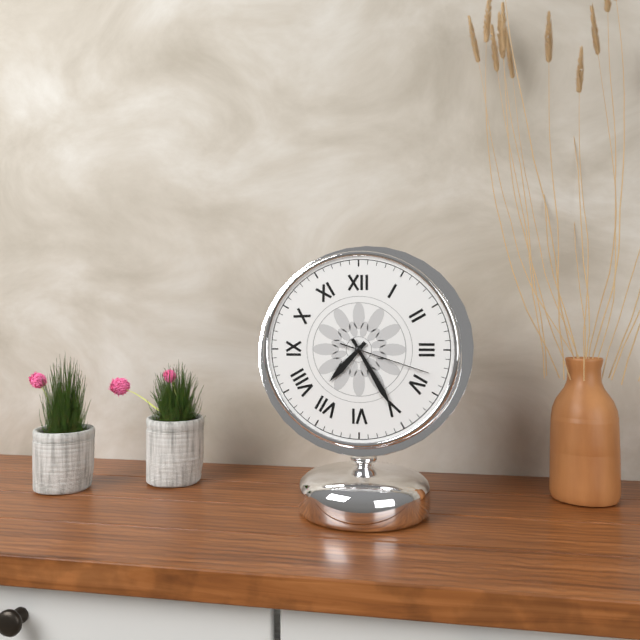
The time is 7h25m18s
